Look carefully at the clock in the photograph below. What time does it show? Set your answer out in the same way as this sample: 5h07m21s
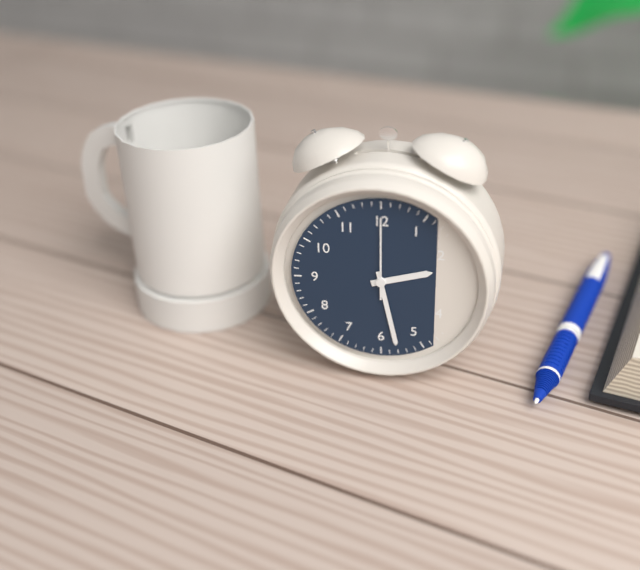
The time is 2h28m00s
